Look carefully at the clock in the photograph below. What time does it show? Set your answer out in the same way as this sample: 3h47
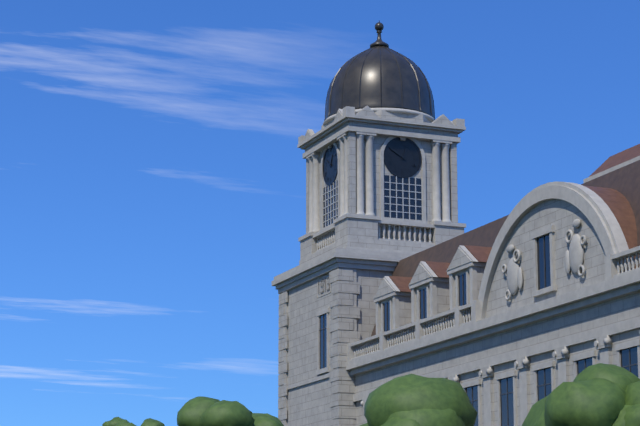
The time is 12h50
